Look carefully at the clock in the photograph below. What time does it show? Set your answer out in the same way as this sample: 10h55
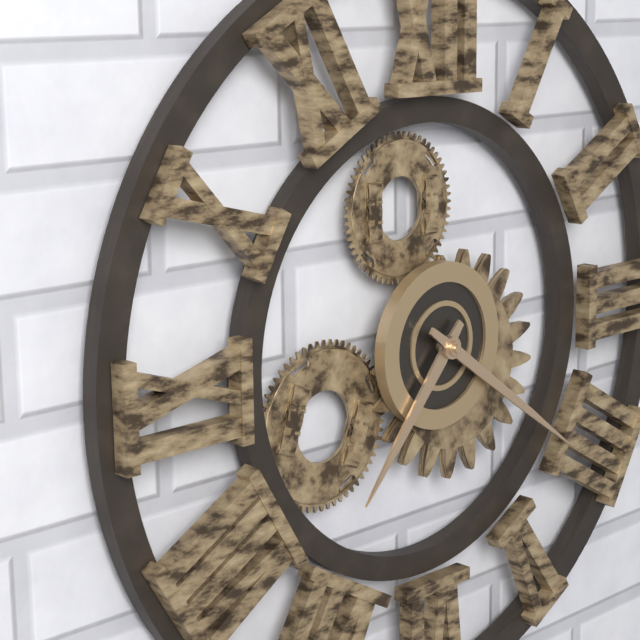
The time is 7h21
